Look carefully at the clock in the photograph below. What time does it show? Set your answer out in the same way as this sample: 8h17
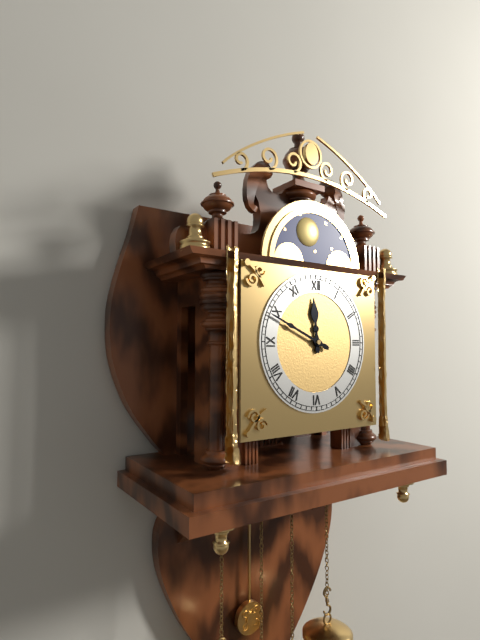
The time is 11h49
